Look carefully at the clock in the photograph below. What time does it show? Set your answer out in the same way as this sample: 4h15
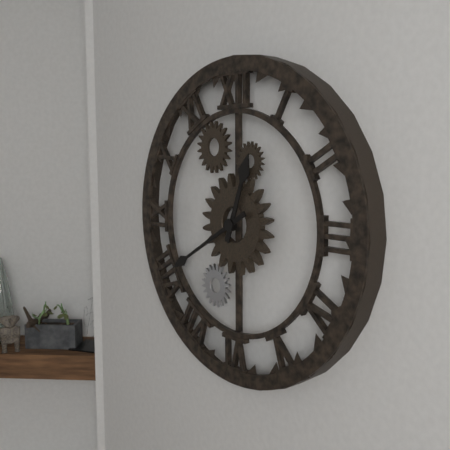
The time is 12h40
